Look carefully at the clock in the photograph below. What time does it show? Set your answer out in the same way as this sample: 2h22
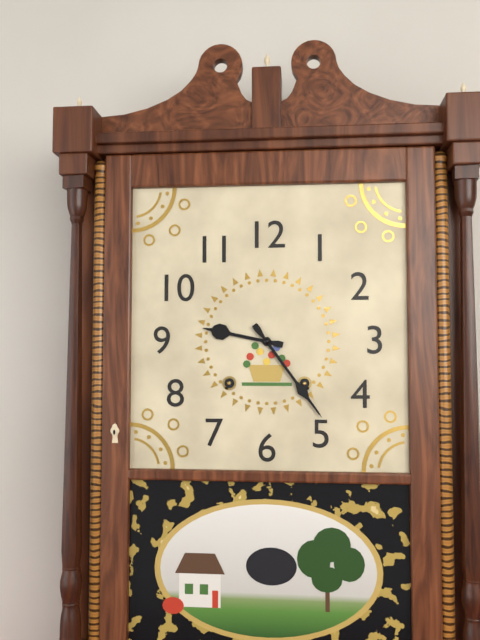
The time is 9h24
